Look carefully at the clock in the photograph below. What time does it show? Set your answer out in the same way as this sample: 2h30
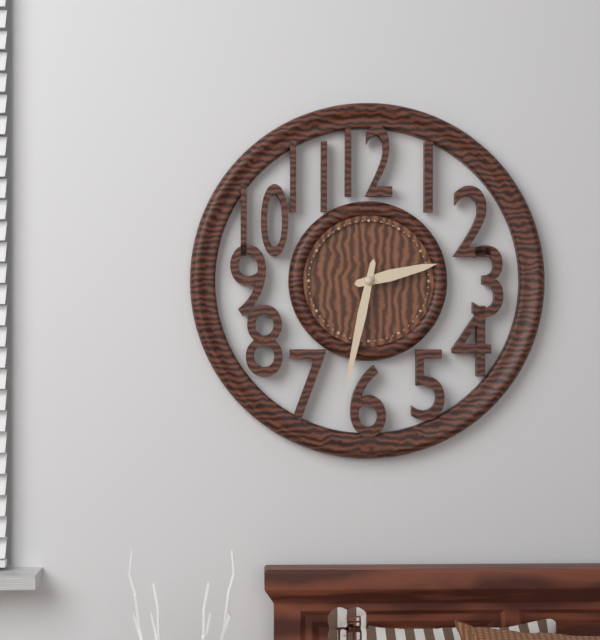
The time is 2h32
